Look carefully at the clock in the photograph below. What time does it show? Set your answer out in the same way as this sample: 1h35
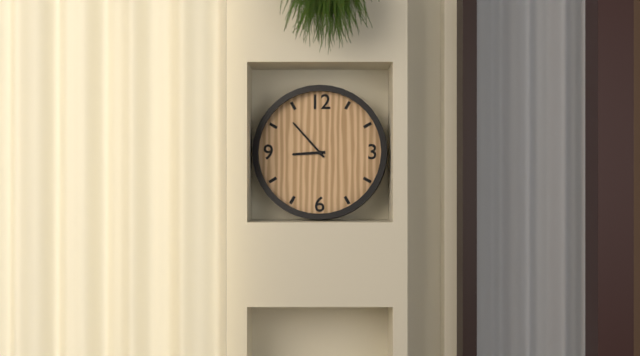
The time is 8h53
